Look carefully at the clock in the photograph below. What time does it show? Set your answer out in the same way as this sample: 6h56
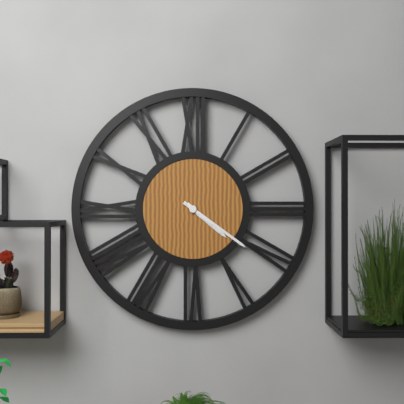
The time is 4h21
